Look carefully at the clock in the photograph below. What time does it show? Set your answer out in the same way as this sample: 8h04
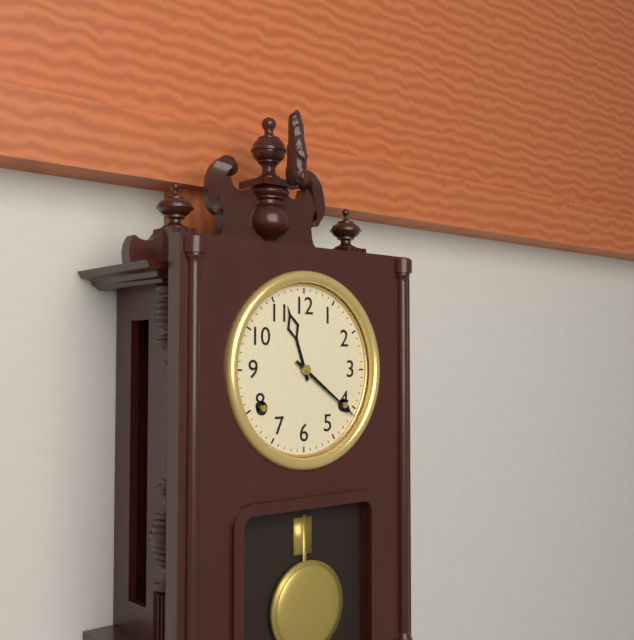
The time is 11h21
